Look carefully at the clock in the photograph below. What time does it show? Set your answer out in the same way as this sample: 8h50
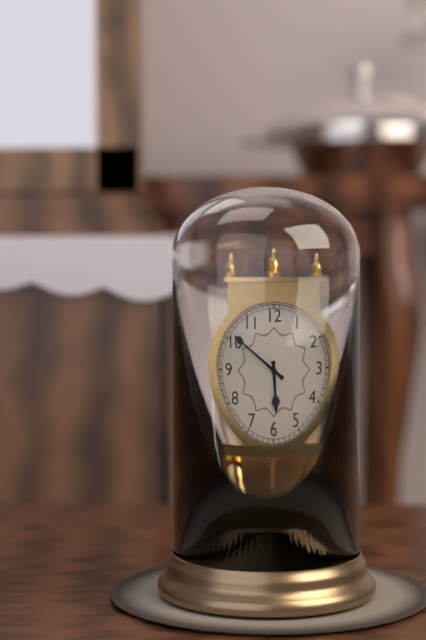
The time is 5h51
